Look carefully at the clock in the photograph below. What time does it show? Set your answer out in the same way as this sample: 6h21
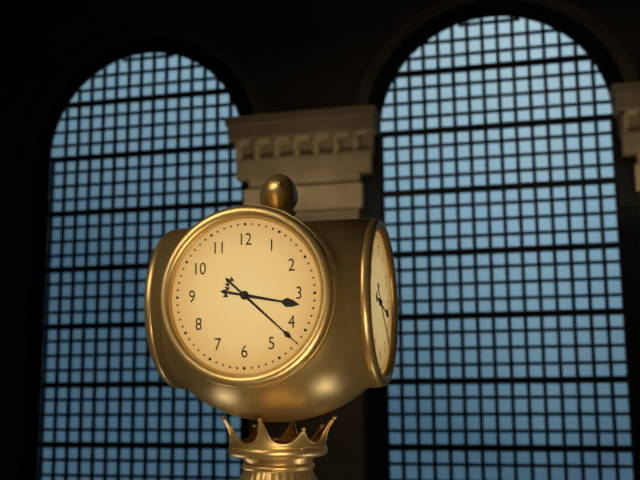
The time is 3h22
